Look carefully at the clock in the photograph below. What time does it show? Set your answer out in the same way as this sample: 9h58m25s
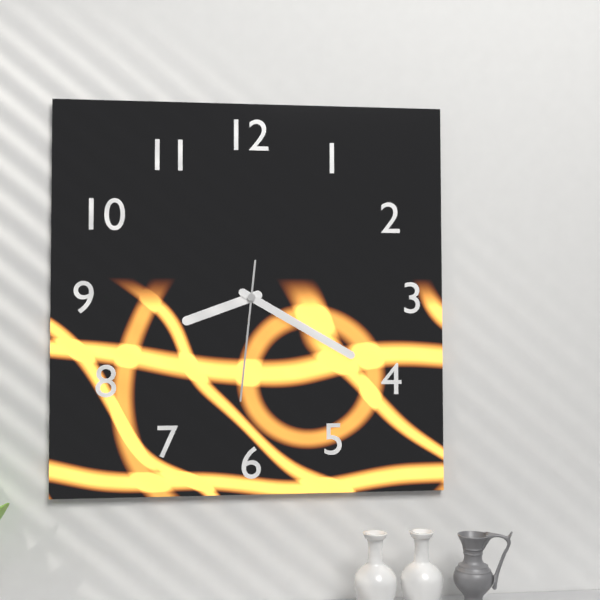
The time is 8h20m31s
